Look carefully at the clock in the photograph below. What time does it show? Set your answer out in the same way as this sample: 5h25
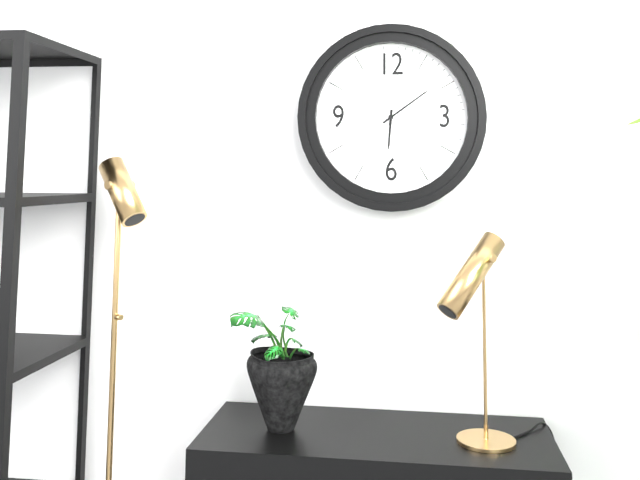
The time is 6h09
